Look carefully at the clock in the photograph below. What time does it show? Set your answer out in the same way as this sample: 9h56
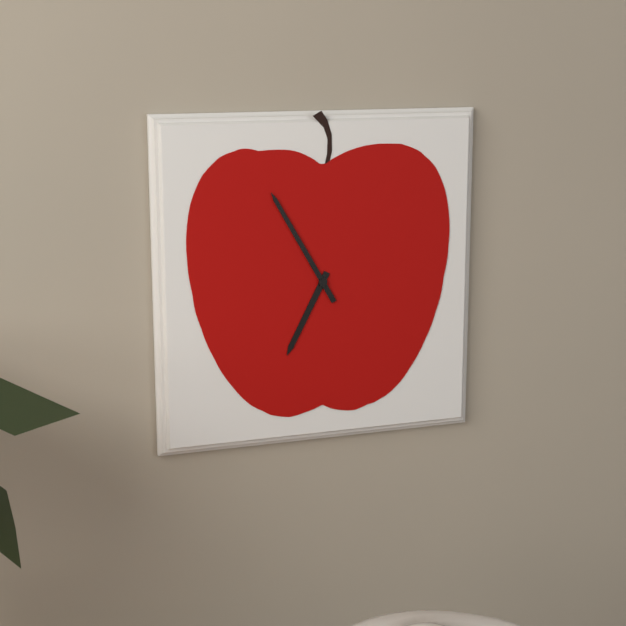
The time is 6h55
